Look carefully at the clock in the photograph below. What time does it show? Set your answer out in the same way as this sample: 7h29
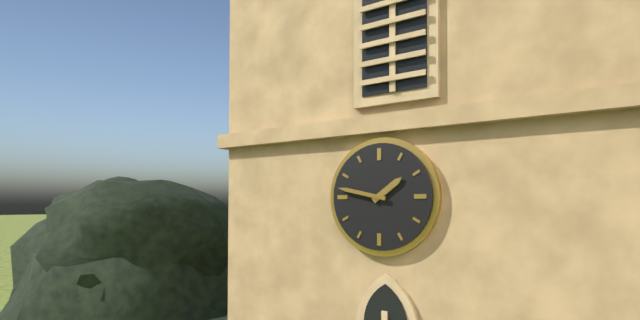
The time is 1h47
